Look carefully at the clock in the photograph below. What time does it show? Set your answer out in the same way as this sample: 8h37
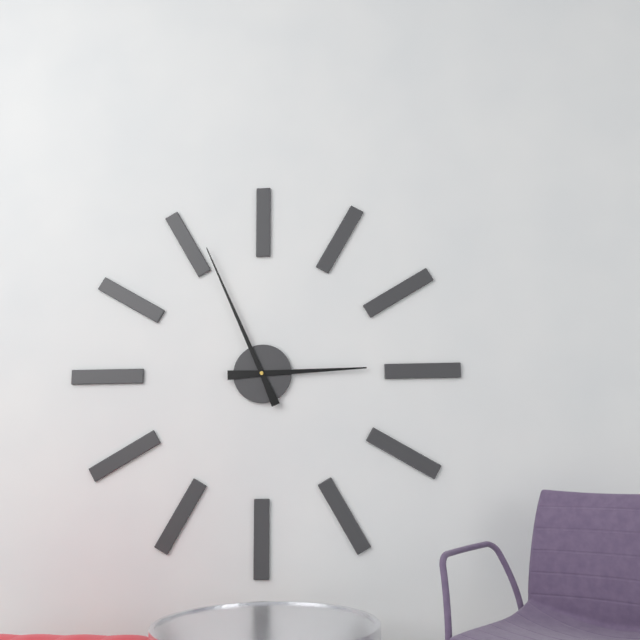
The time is 2h56
